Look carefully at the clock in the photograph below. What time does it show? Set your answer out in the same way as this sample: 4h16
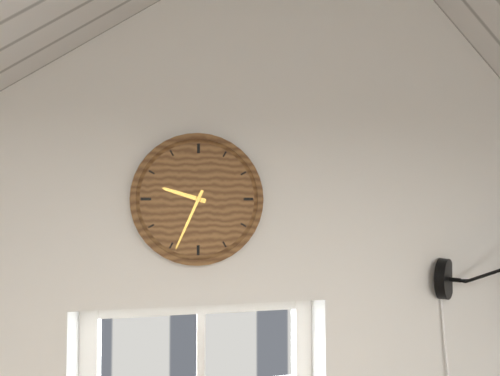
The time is 9h34
